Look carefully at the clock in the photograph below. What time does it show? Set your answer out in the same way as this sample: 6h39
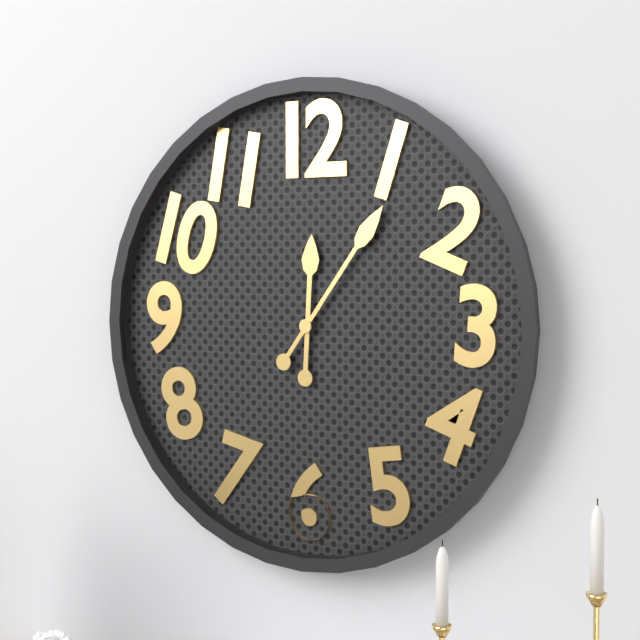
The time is 12h06
